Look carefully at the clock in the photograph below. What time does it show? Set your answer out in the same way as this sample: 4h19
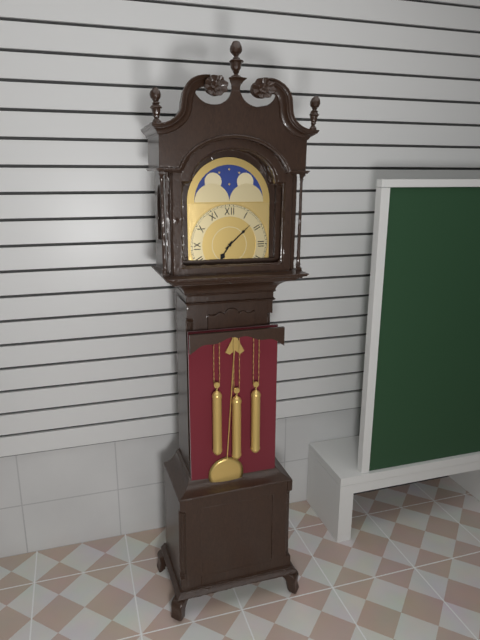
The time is 7h08
